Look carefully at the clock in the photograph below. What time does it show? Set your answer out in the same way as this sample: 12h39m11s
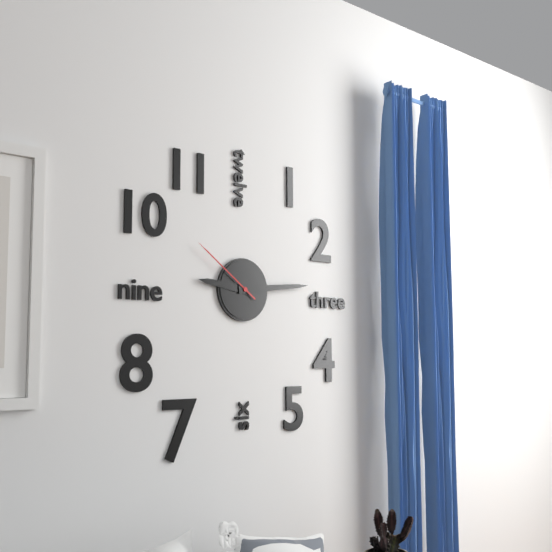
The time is 9h14m51s
